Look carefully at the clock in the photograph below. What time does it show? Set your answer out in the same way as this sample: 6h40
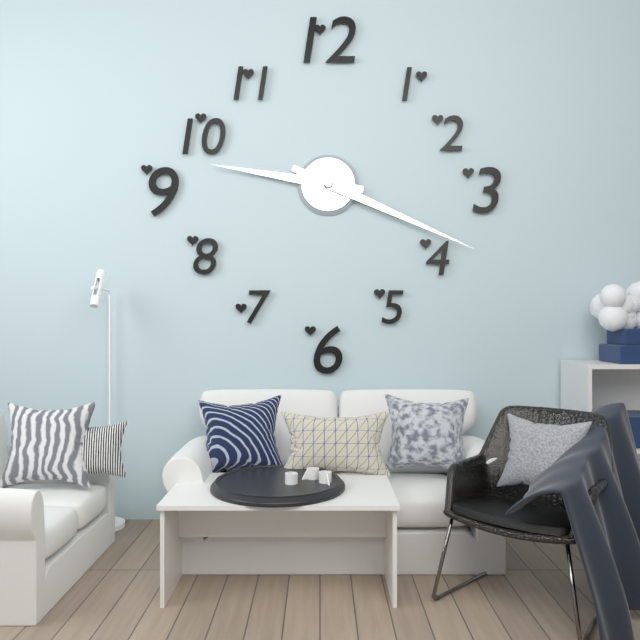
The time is 9h19
